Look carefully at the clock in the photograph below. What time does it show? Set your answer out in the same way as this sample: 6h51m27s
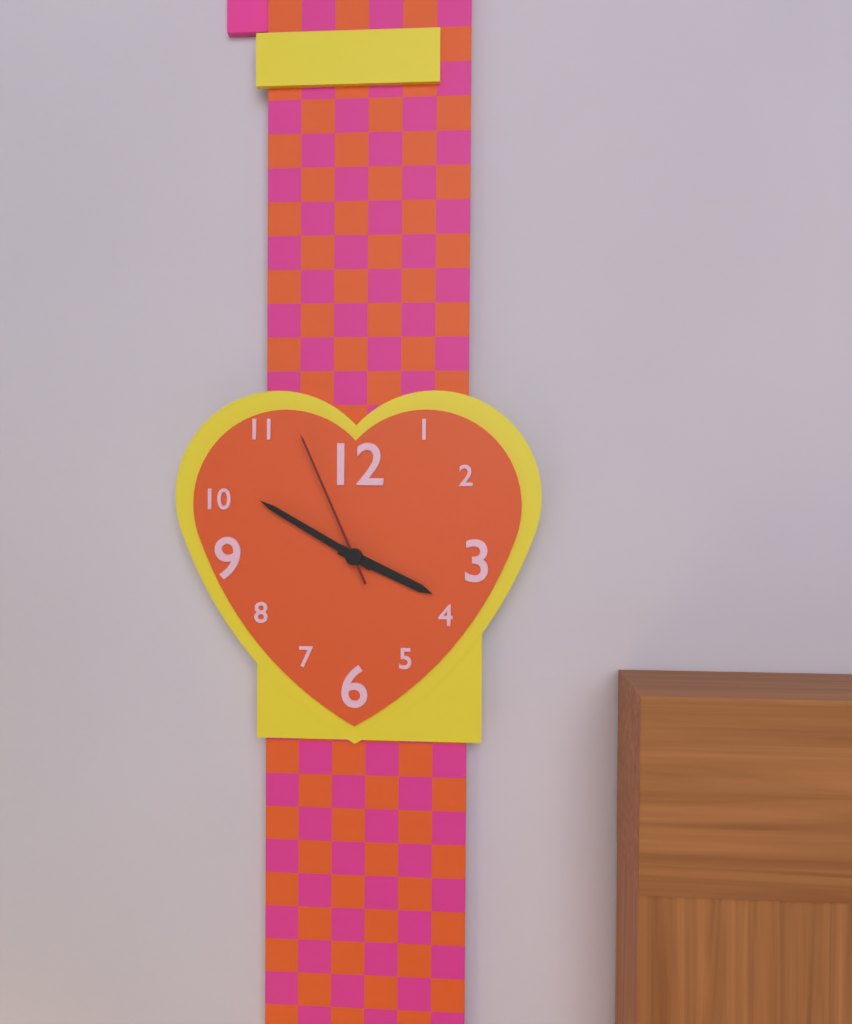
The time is 3h50m56s
